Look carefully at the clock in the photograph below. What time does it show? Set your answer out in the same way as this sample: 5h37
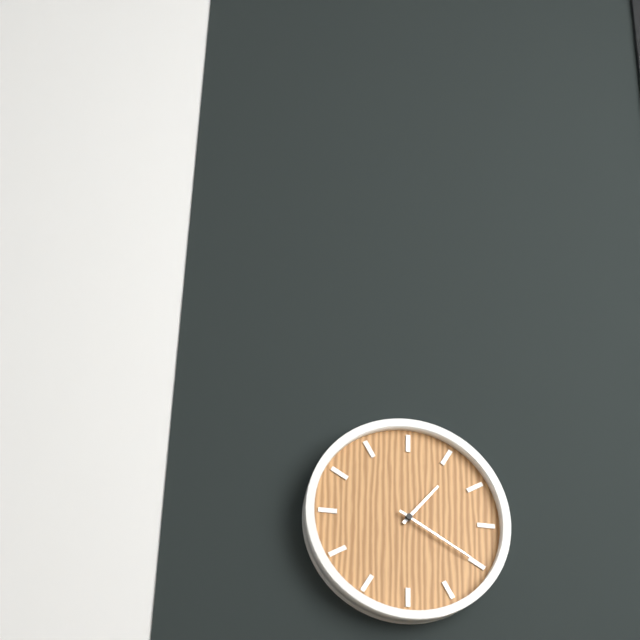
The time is 1h20
